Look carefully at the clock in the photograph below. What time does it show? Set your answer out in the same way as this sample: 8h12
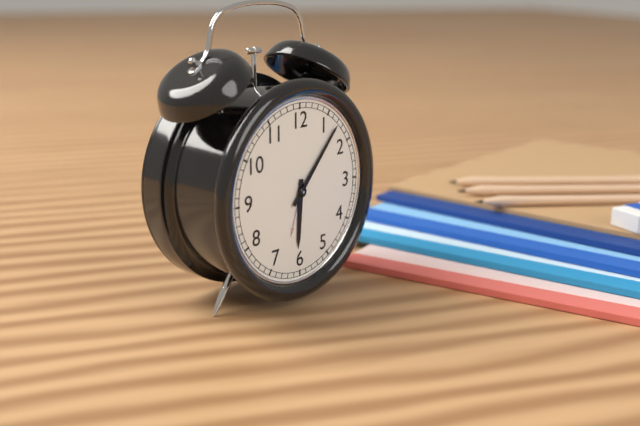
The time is 6h07
